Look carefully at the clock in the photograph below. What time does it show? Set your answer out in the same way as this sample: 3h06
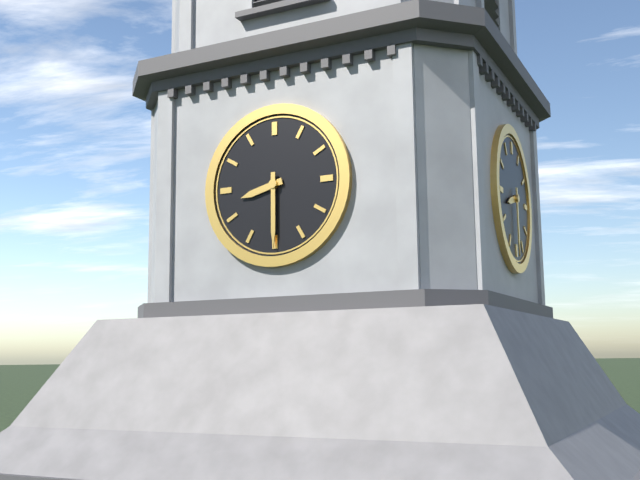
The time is 8h30
